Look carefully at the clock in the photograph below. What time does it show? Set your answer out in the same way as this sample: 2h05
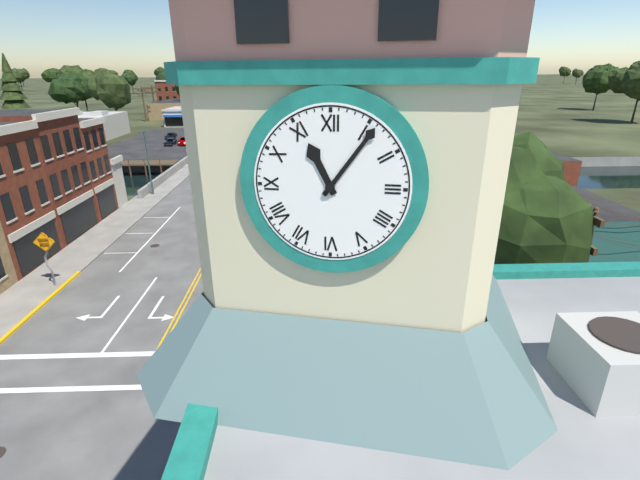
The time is 11h06
